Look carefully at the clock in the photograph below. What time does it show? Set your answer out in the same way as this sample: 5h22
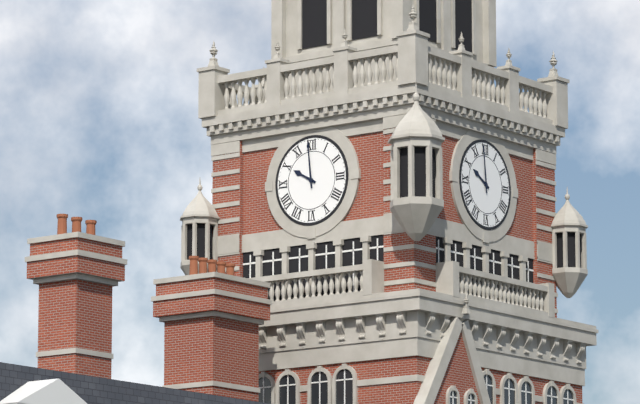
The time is 9h59
